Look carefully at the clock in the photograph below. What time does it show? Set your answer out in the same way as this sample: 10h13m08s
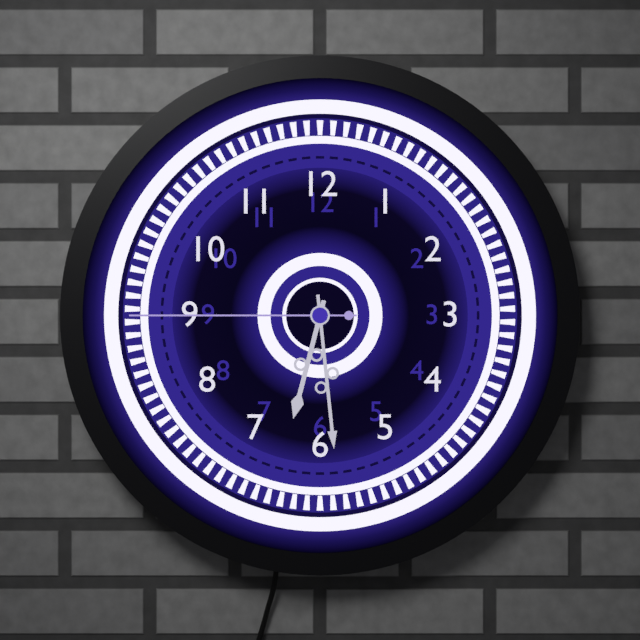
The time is 6h29m45s
